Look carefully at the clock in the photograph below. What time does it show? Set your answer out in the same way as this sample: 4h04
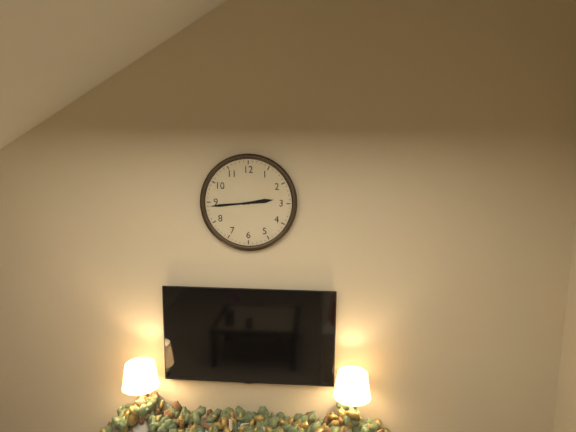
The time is 2h44
